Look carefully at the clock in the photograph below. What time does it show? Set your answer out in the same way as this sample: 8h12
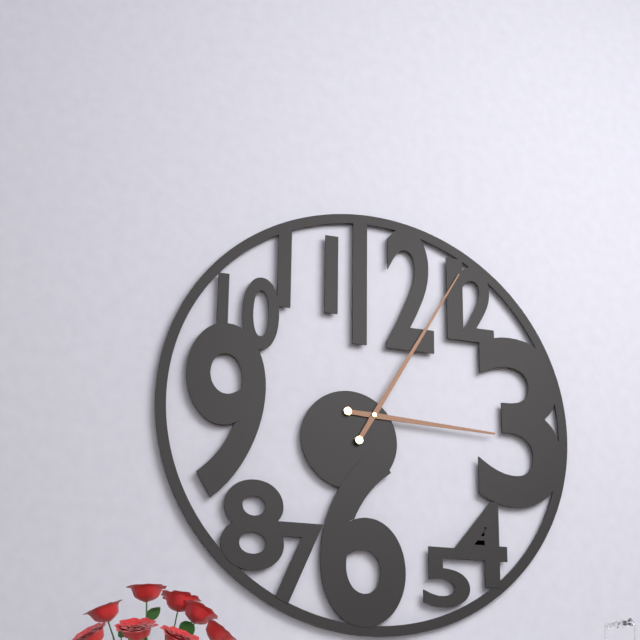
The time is 3h05
